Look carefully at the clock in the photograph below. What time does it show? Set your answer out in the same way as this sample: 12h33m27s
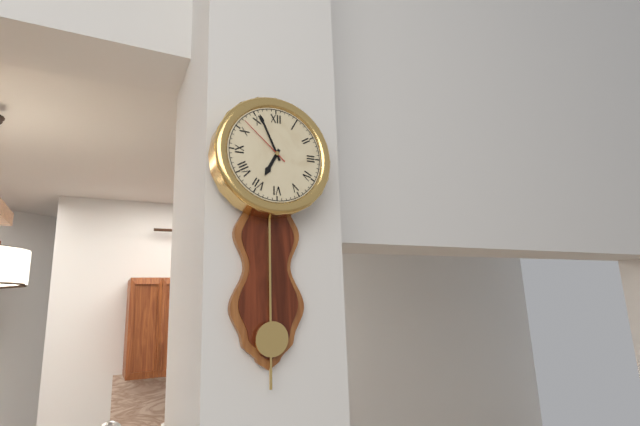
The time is 6h56m52s
